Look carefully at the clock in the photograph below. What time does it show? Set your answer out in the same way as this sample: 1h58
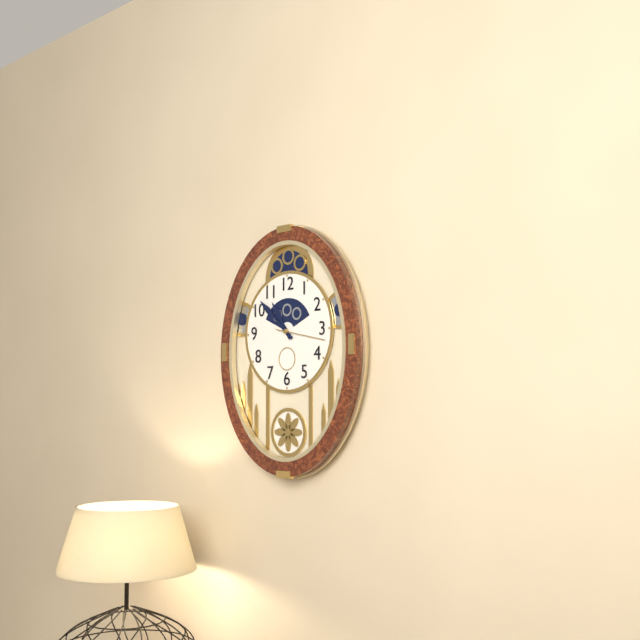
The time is 10h52
